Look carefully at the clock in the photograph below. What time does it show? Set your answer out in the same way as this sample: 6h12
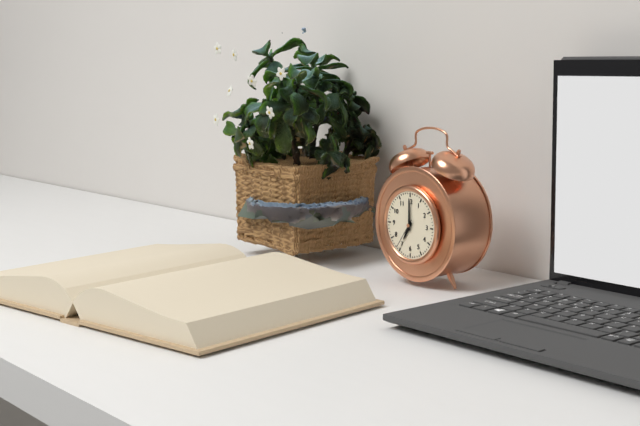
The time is 7h00
